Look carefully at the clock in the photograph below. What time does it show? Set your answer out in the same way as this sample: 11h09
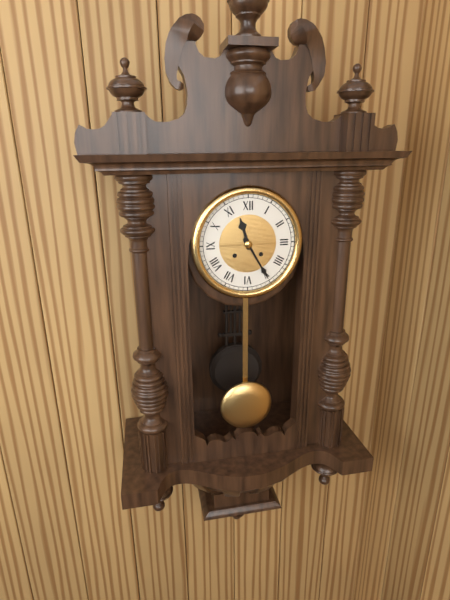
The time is 11h25
